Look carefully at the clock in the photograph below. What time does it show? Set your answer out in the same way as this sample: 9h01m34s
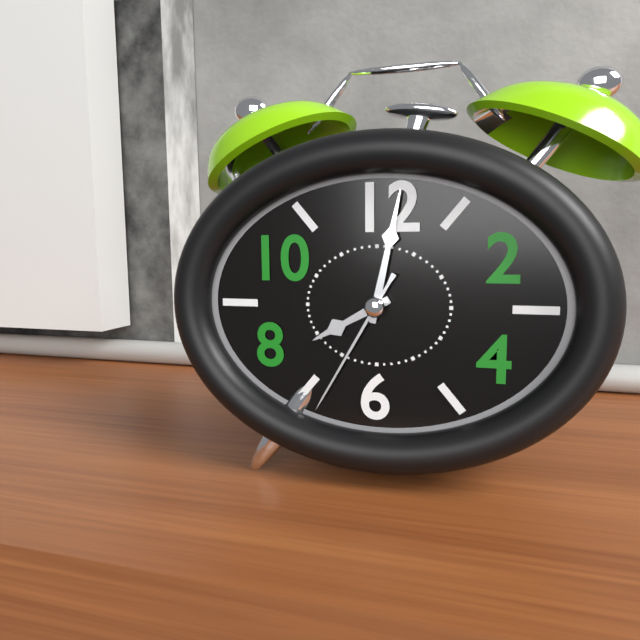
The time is 8h02m35s
